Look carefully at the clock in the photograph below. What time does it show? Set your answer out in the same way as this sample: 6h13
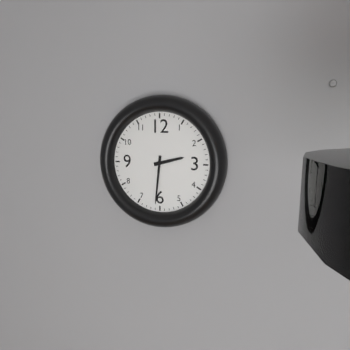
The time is 2h31
